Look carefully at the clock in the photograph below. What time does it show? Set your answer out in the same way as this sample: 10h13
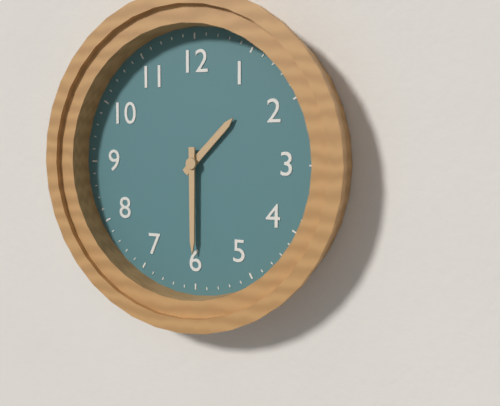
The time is 1h30
